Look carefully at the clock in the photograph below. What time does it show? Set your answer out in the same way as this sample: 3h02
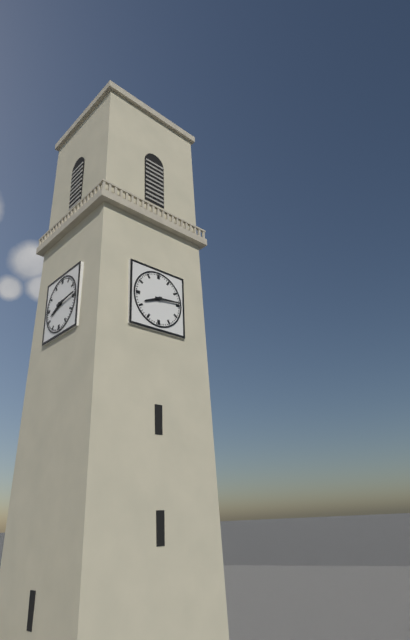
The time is 8h14
